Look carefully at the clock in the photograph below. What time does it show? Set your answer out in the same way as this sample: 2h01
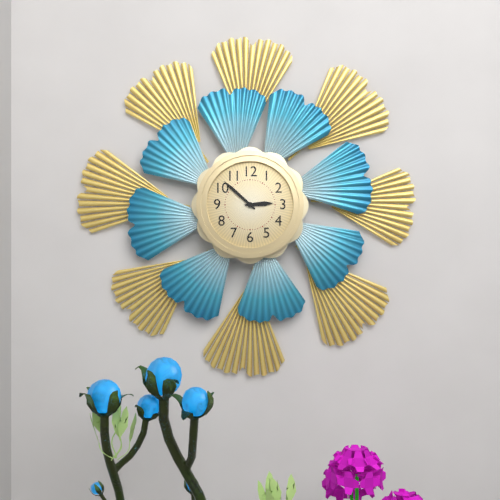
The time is 2h52
